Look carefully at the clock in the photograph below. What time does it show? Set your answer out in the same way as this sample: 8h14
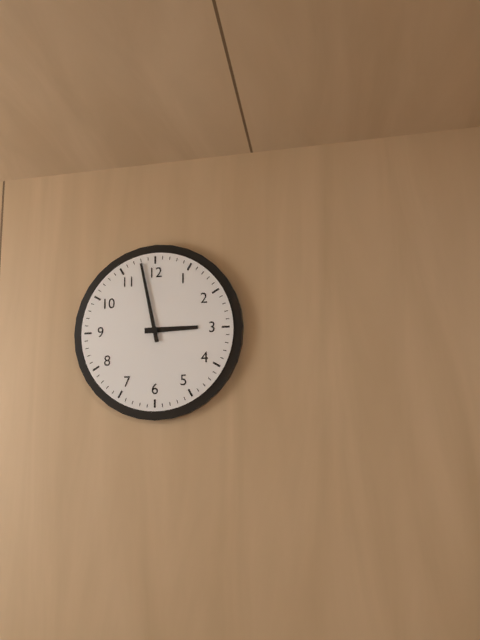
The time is 2h58
